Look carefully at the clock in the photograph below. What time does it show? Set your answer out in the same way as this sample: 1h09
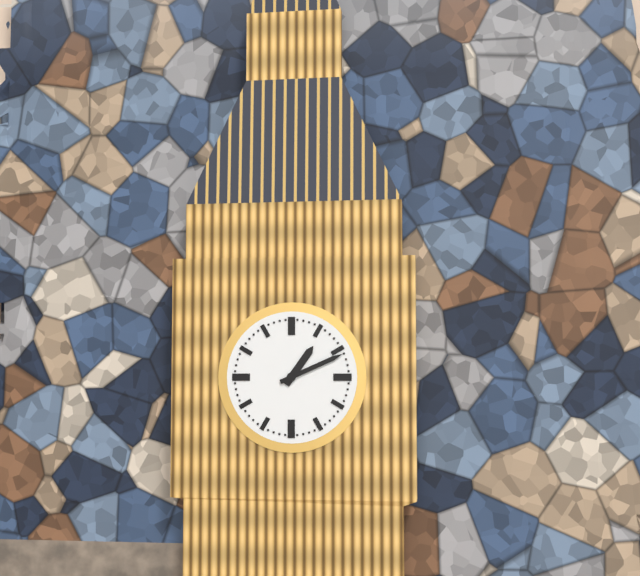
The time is 1h11
